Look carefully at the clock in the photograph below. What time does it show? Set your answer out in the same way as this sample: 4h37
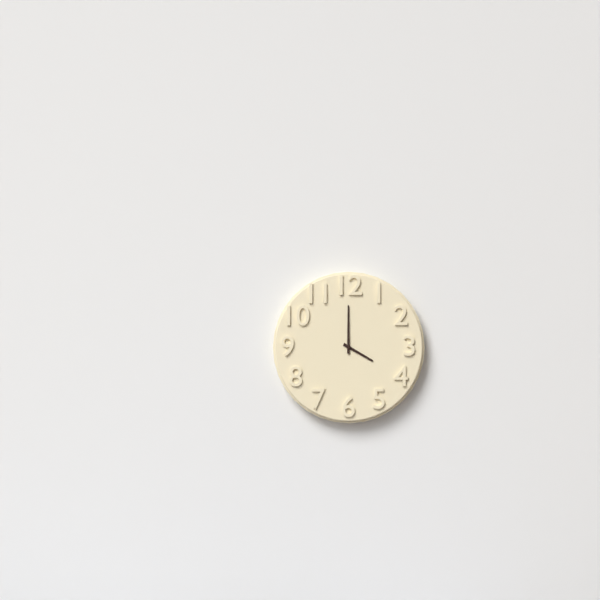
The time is 4h00
